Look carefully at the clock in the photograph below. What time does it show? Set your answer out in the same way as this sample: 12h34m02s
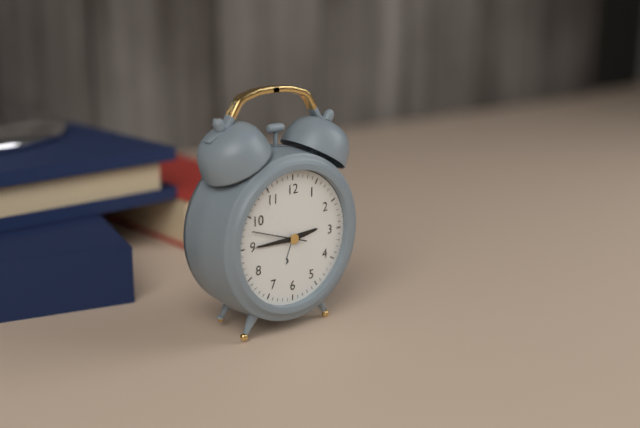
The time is 2h45m48s
